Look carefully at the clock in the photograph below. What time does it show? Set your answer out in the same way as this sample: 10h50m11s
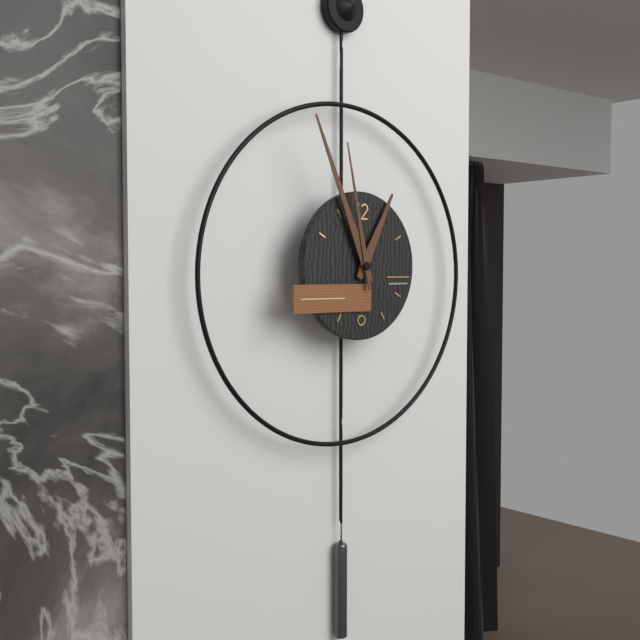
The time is 12h56m58s
